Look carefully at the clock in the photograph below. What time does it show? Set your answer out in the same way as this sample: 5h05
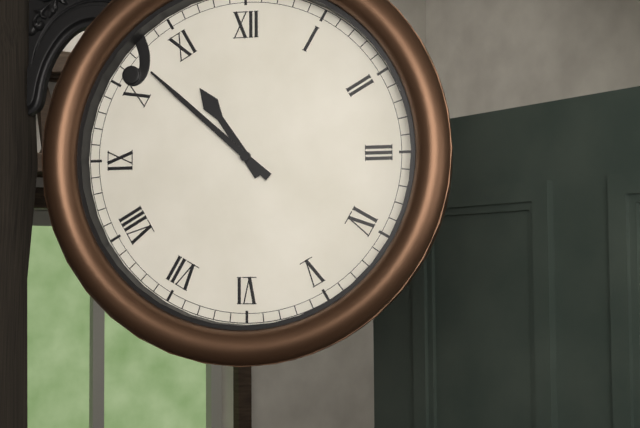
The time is 10h52
